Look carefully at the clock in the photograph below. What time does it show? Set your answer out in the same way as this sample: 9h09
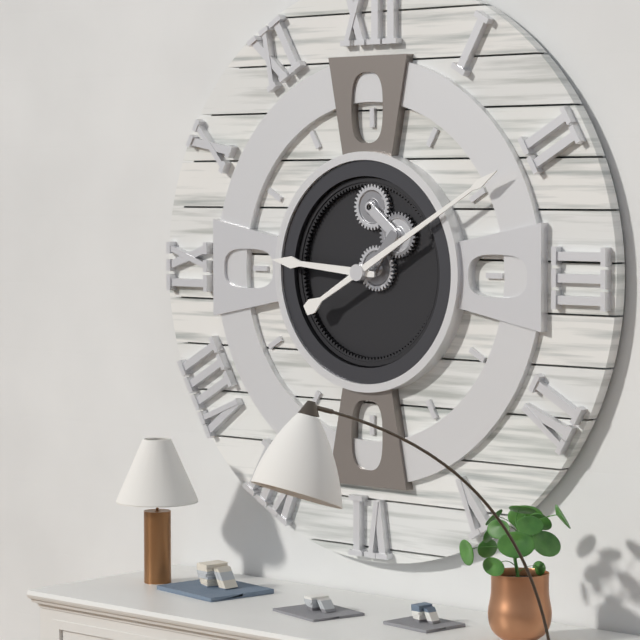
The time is 9h10
